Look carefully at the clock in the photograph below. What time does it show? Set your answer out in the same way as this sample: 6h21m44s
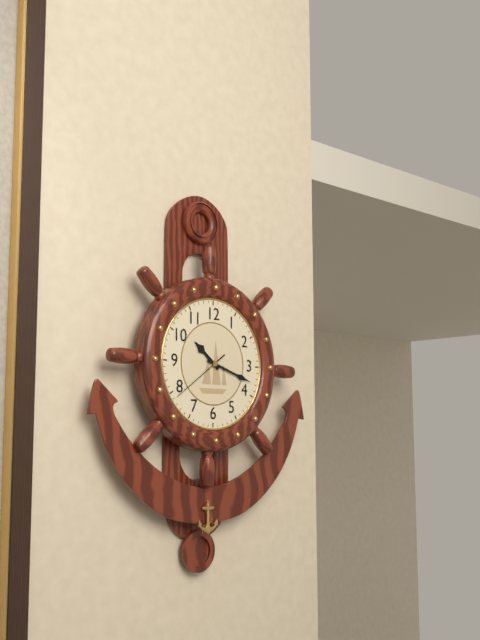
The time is 10h18m39s
